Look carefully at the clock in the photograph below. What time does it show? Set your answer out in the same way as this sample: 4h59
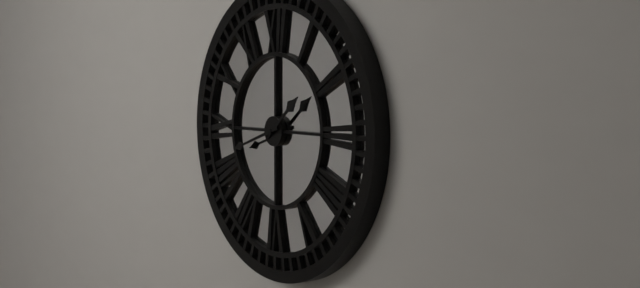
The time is 1h42
